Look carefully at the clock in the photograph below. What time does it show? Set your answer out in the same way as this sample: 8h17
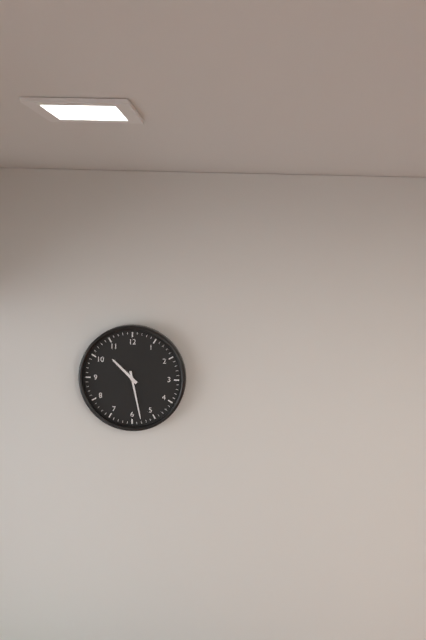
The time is 10h28
